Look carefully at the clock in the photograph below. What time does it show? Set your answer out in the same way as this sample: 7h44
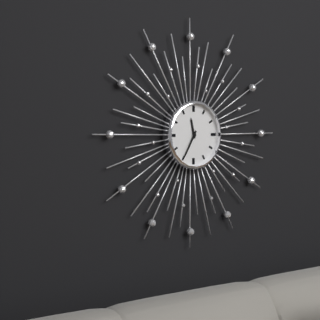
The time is 11h35
